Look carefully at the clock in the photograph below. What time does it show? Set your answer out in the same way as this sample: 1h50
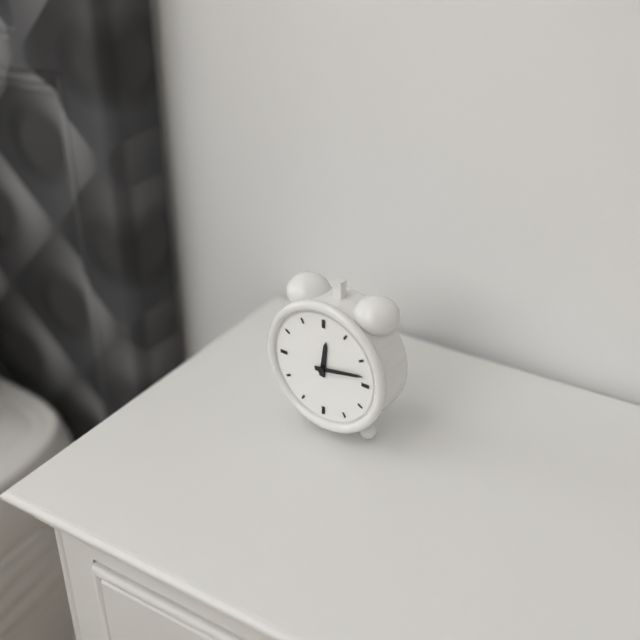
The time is 12h13
